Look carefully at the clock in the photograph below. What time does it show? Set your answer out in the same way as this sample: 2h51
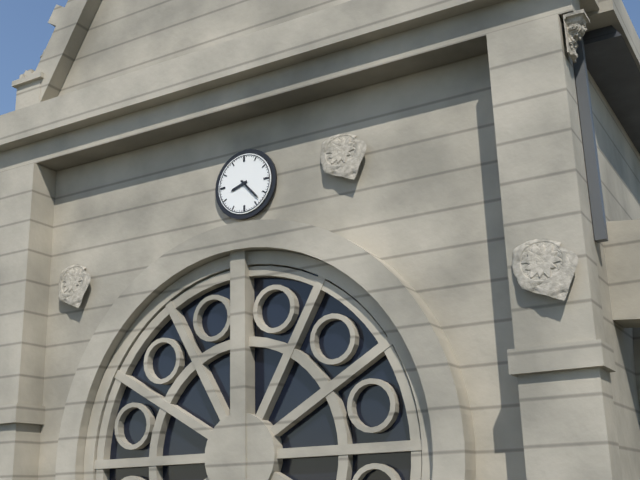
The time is 8h23
